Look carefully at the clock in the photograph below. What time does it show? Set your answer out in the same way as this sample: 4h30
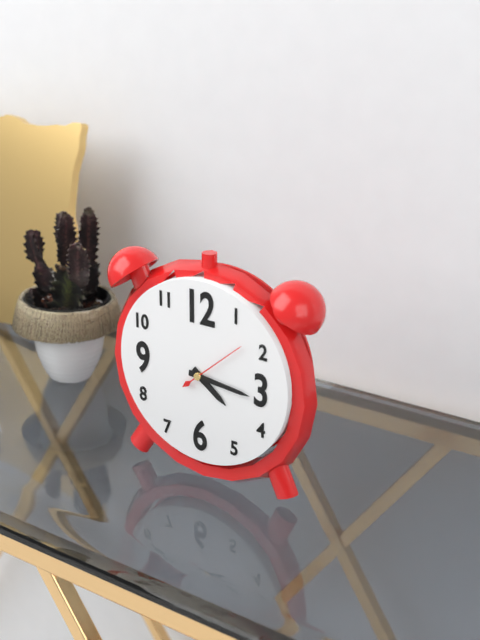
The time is 4h16
